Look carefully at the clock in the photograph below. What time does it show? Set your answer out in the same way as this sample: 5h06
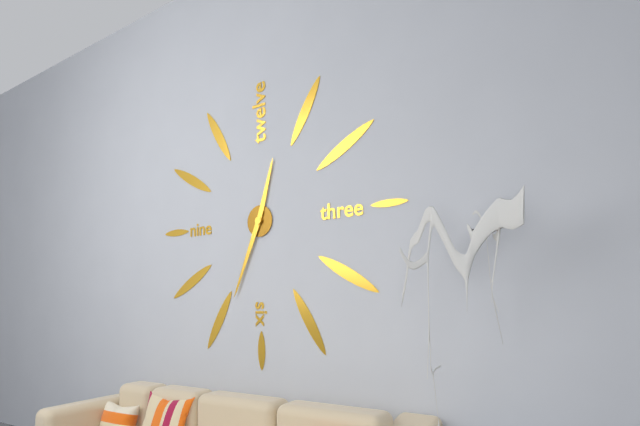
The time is 12h34
